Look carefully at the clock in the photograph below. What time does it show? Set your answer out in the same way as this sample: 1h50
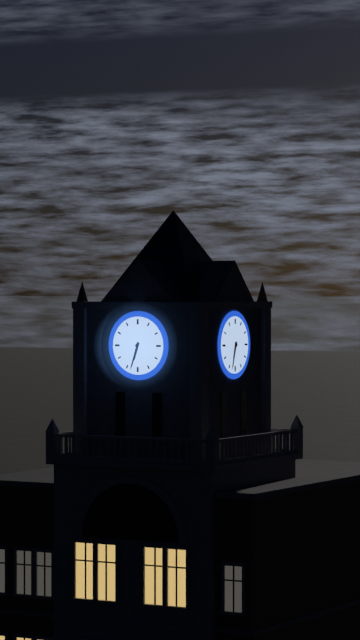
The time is 6h33
